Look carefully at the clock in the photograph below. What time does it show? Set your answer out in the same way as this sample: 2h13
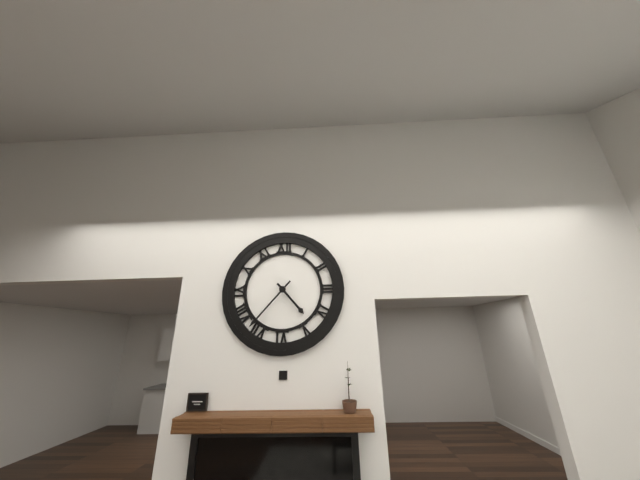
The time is 4h37
